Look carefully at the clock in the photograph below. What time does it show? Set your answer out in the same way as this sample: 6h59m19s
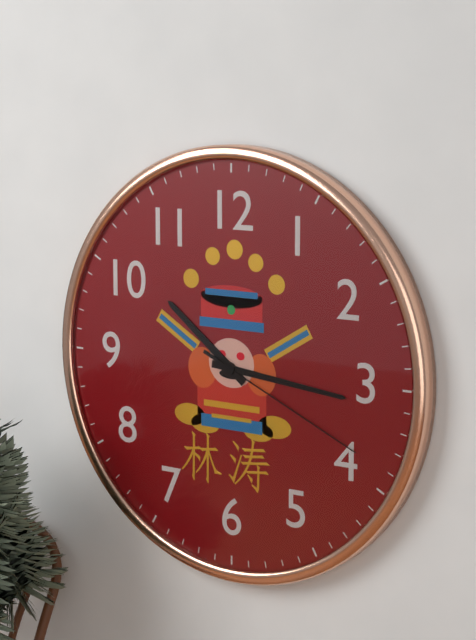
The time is 10h16m19s
